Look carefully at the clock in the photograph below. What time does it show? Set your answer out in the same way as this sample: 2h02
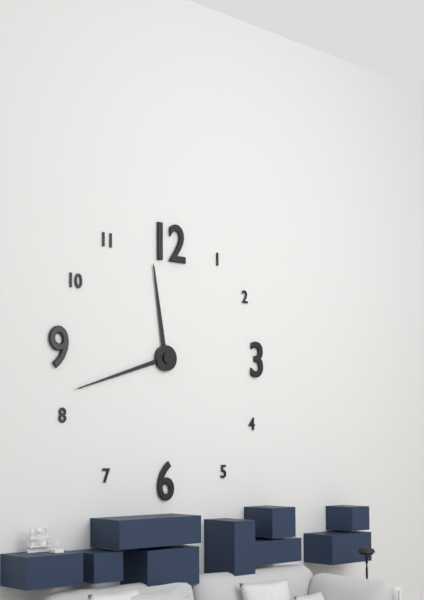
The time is 11h42
